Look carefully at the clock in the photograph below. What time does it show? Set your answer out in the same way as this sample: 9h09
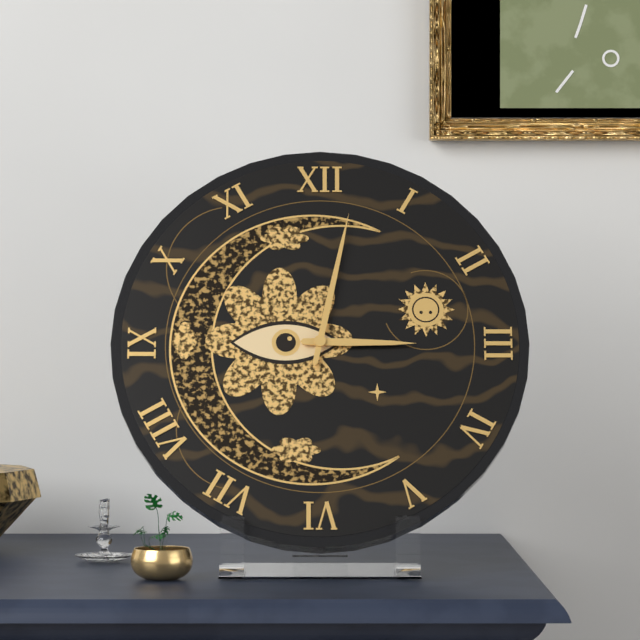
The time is 3h02
